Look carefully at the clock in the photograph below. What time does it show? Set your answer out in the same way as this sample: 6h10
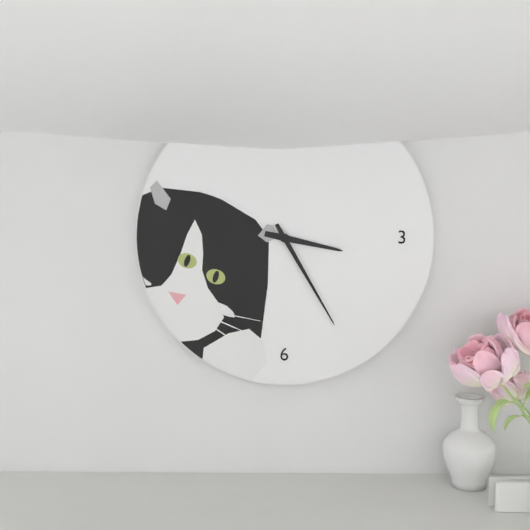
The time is 3h25
